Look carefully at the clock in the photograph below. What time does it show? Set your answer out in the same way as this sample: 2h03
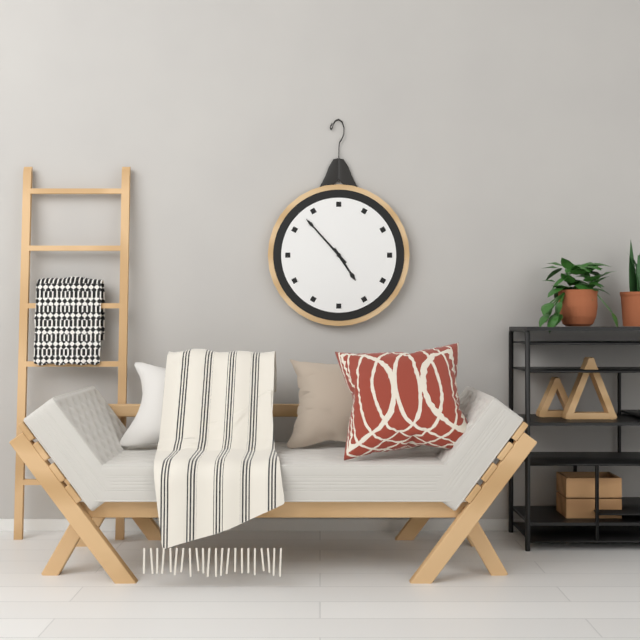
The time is 4h53
